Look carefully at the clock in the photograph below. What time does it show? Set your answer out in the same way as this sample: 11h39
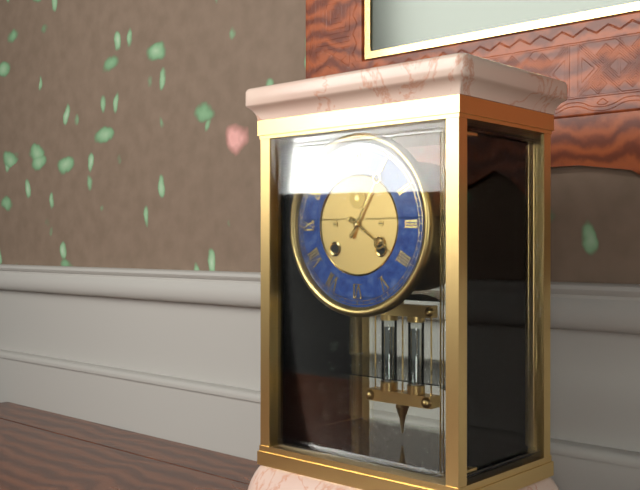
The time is 4h05
